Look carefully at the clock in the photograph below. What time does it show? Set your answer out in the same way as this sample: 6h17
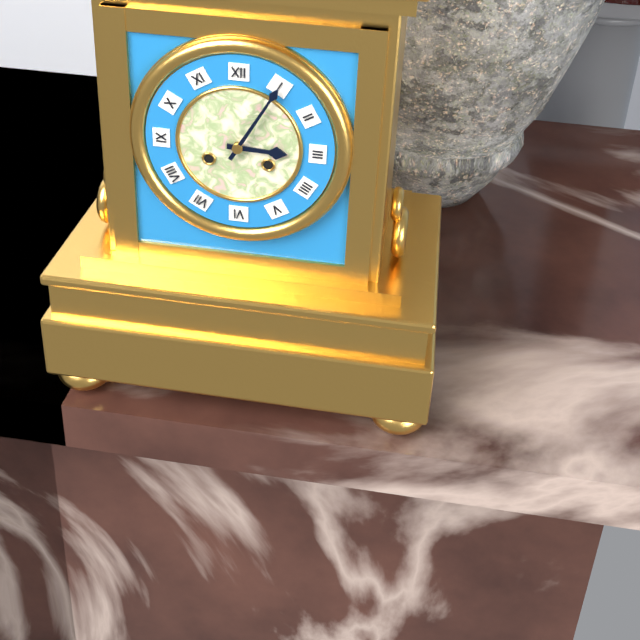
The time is 3h05
